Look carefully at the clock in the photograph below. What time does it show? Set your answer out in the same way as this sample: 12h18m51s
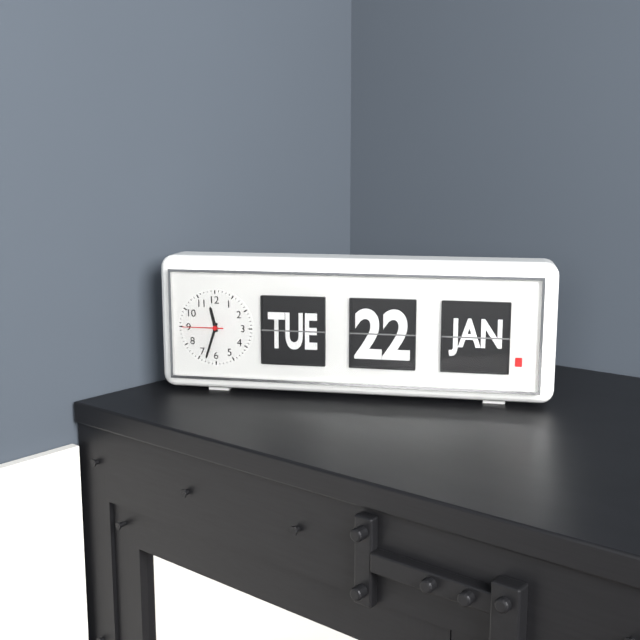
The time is 11h33m45s
